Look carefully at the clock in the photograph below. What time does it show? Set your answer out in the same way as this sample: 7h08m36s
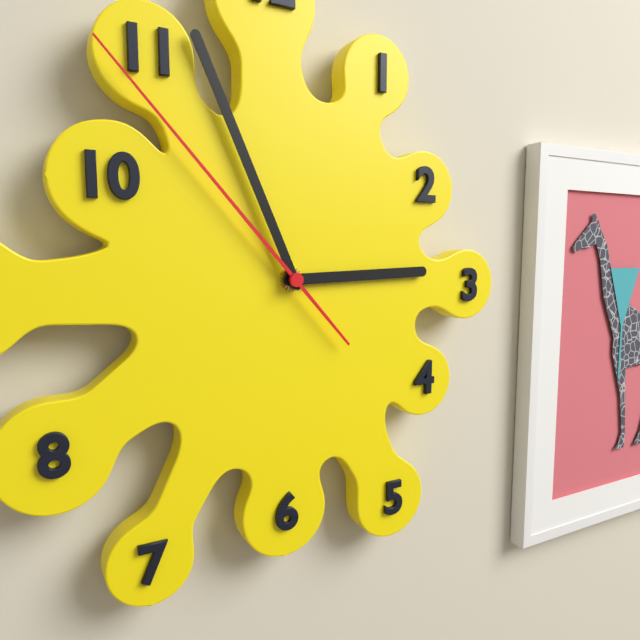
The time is 2h56m53s
